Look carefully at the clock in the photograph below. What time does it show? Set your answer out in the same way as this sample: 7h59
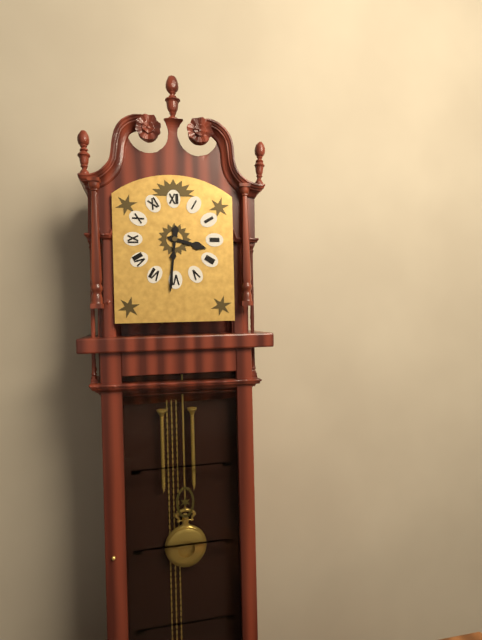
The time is 3h31
